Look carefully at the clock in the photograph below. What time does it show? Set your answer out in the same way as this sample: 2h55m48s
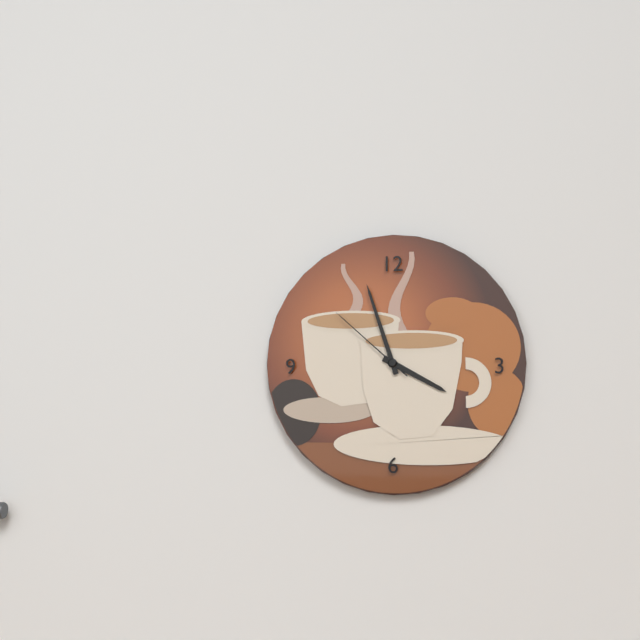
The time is 3h57m52s
